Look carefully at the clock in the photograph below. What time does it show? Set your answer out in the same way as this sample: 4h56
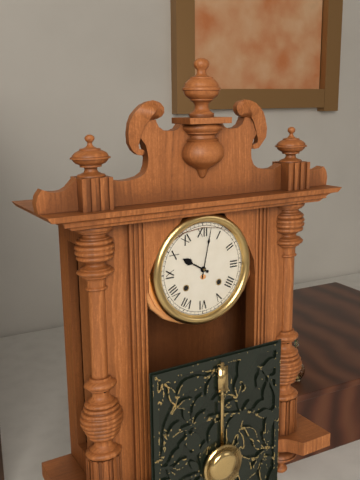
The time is 10h02
